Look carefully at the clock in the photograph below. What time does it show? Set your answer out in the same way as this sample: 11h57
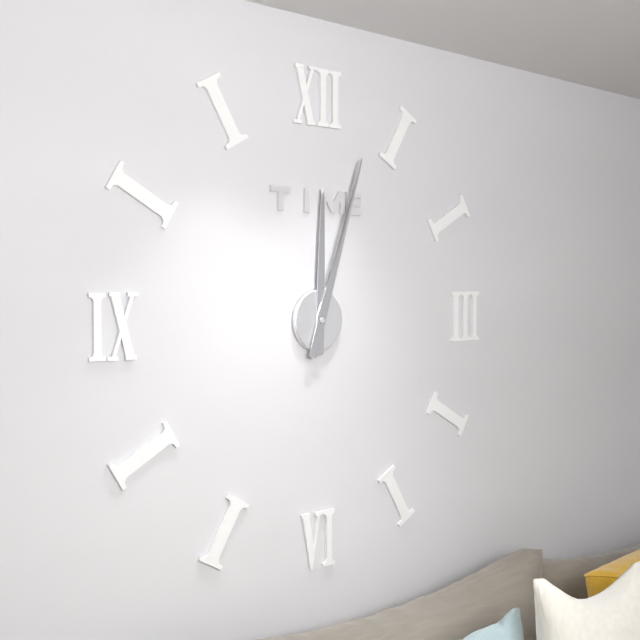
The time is 12h03
